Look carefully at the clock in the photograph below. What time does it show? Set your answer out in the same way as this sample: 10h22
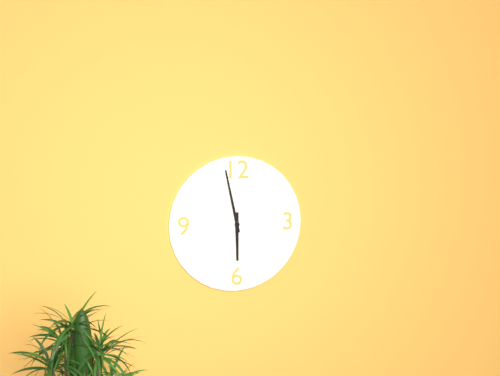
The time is 5h58
